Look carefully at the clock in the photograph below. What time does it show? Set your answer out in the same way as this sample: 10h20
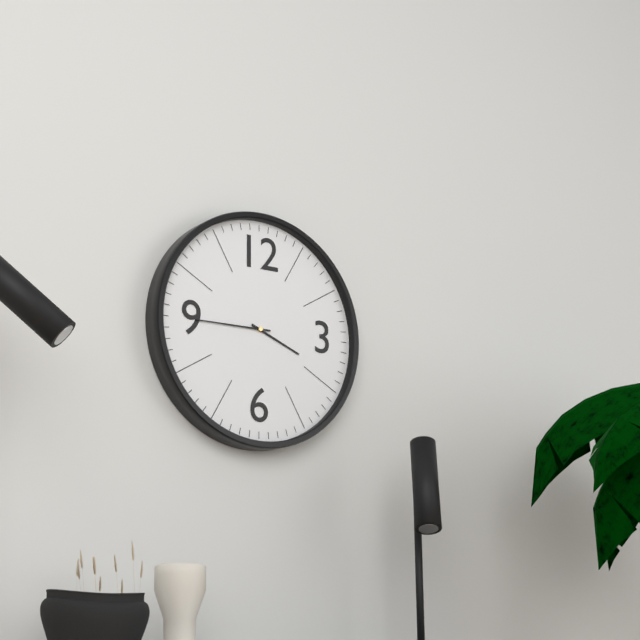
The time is 3h45
